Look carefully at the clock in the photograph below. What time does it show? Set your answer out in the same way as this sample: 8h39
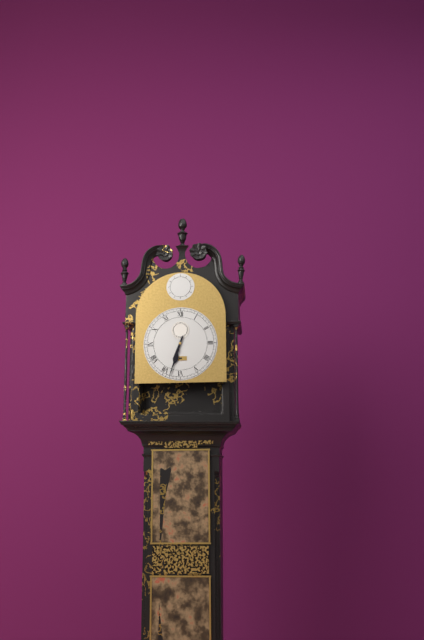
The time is 6h33
